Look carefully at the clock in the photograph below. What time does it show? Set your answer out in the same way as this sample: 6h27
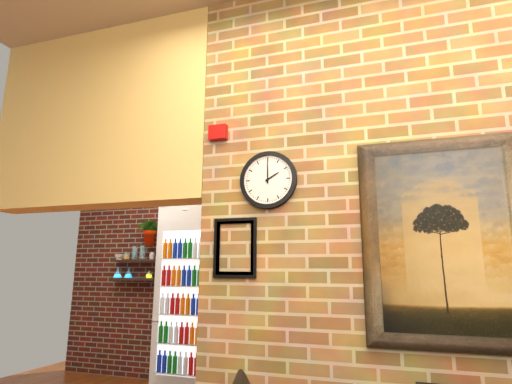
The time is 2h00
